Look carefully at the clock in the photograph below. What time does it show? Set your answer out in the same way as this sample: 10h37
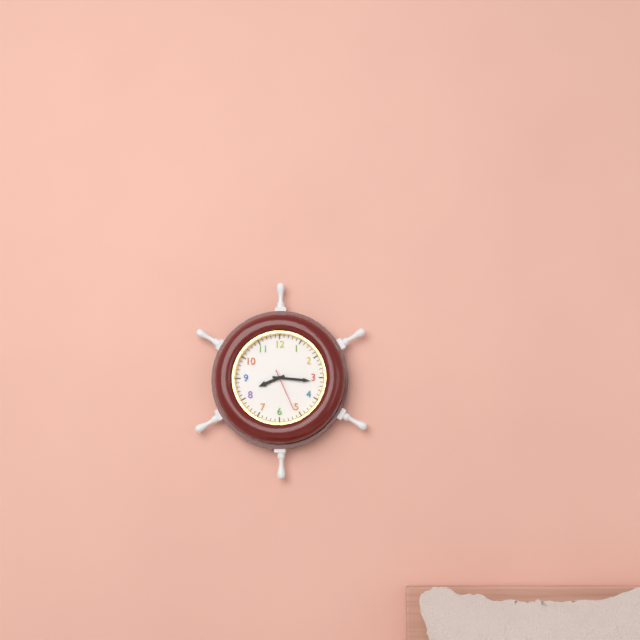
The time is 8h16
